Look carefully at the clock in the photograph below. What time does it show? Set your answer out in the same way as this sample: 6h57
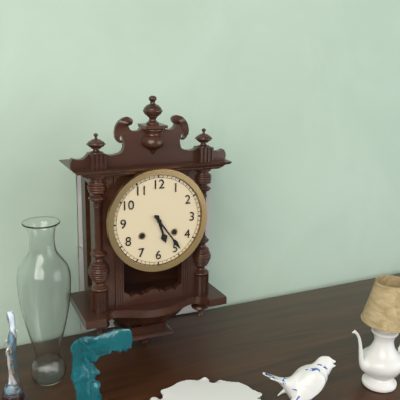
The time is 5h24
